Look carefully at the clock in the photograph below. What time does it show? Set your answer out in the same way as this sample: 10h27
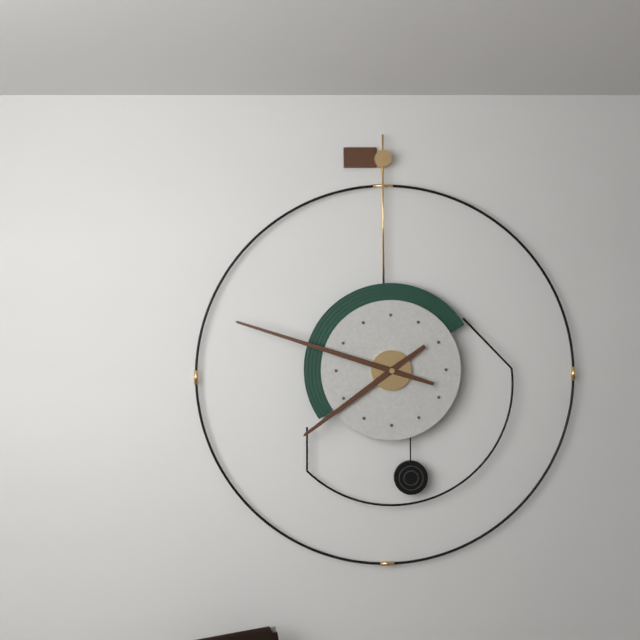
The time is 7h48
